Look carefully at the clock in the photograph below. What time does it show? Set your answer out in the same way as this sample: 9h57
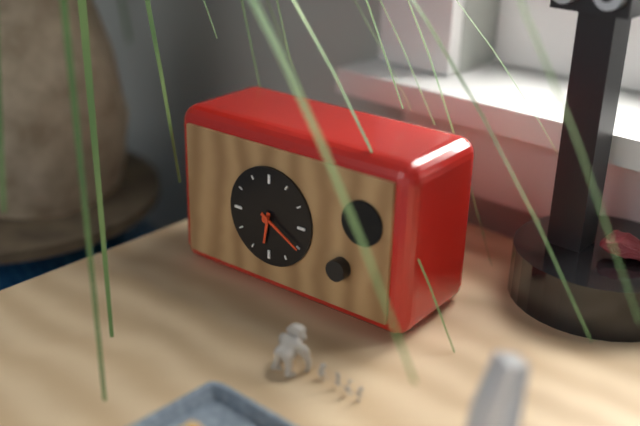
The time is 6h20
